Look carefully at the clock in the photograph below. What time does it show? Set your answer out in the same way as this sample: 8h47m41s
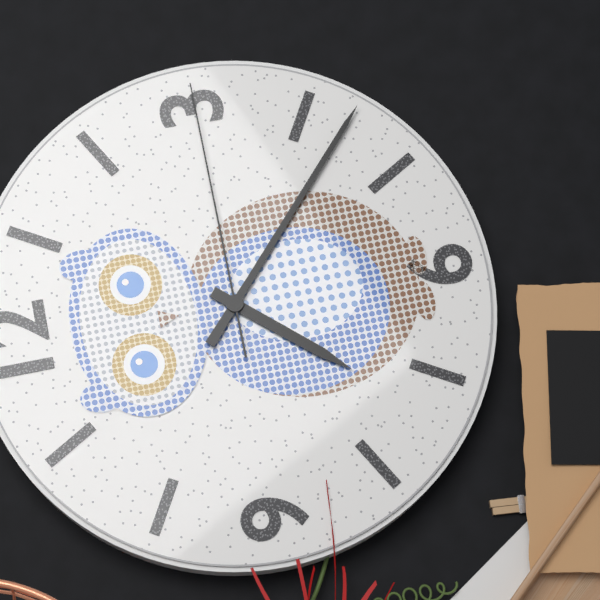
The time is 7h22m15s
